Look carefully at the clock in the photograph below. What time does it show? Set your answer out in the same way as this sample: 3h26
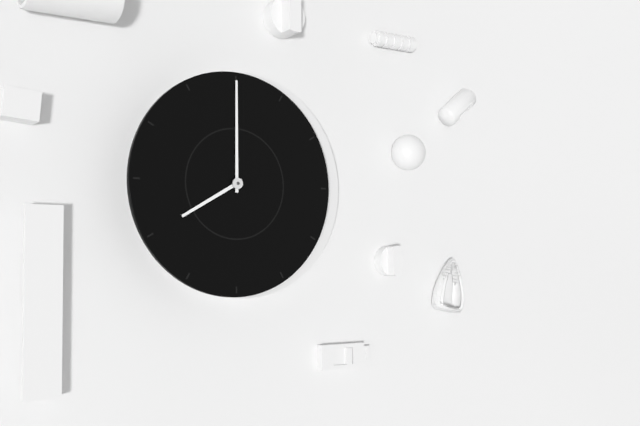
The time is 8h00
